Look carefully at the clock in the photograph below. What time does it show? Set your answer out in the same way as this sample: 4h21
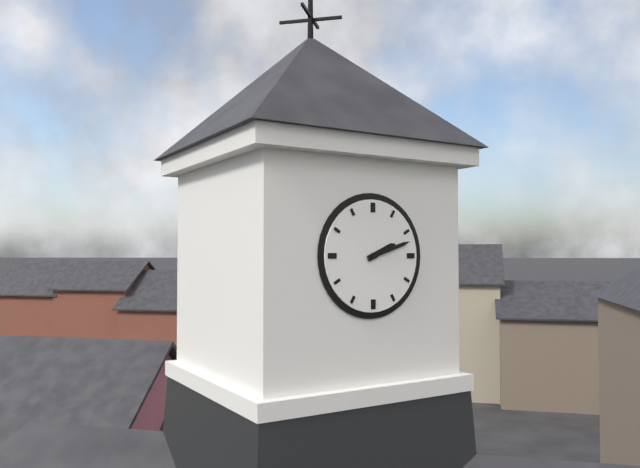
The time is 2h12
